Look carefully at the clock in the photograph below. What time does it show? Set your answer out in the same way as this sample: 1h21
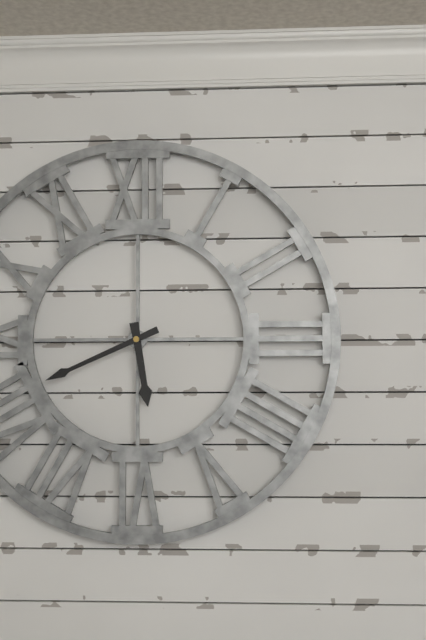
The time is 5h41
